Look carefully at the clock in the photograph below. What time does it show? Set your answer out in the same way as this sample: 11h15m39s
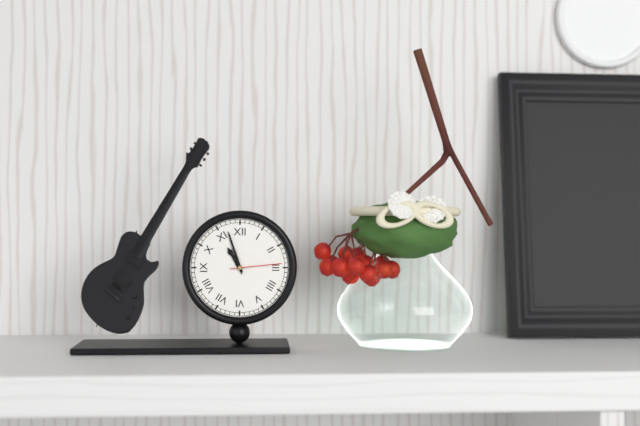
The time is 10h57m14s
